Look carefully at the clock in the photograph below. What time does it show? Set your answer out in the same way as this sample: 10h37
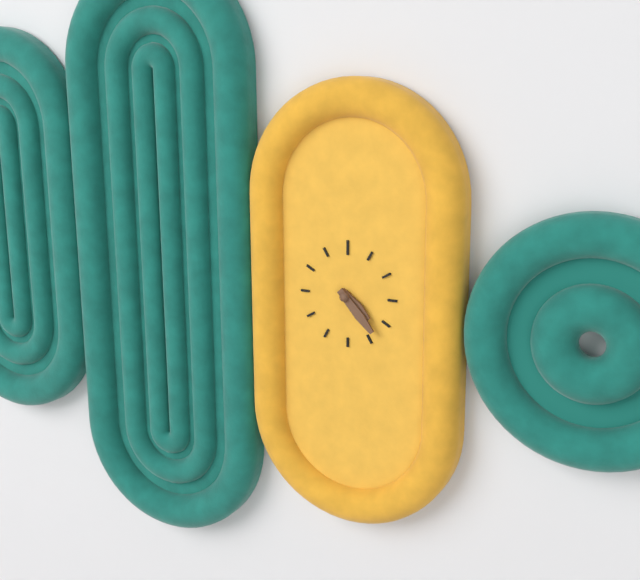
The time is 4h23
